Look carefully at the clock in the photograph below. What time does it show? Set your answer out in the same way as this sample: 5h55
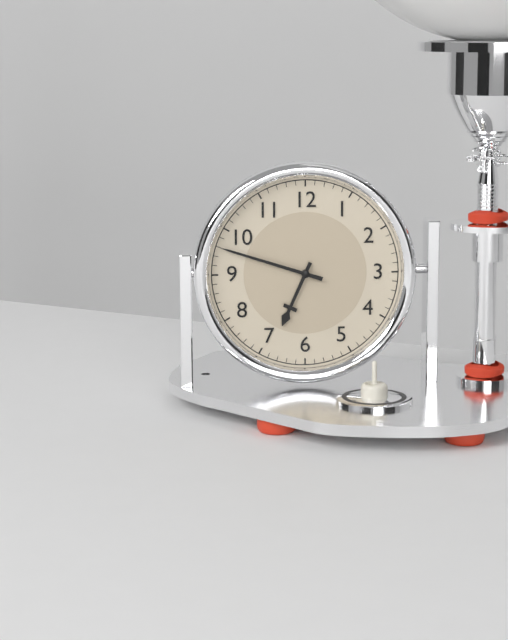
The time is 6h48
